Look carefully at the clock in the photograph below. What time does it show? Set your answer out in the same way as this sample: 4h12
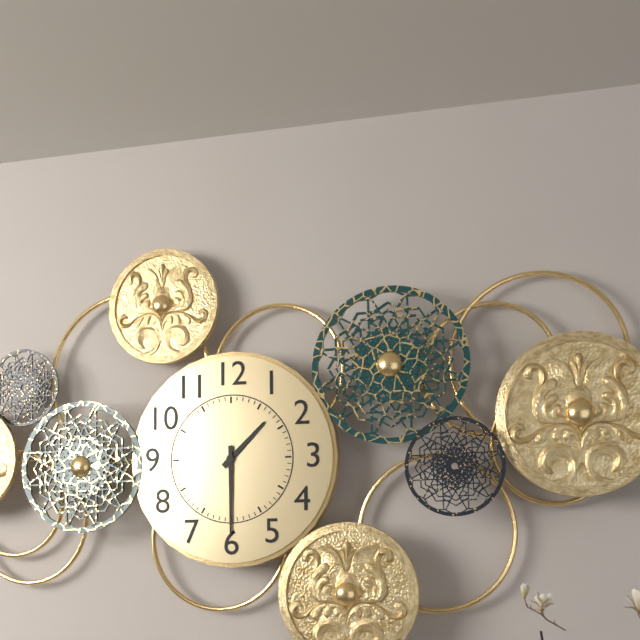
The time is 1h30
